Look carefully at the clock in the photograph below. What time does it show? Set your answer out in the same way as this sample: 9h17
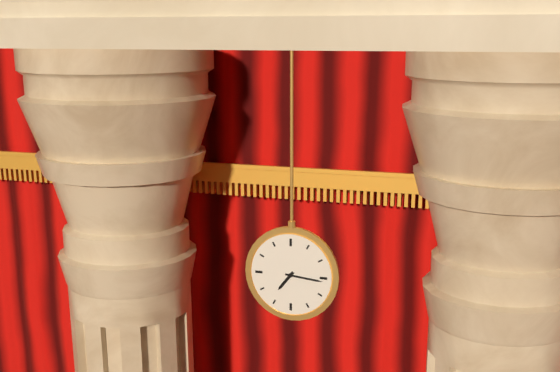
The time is 7h16
